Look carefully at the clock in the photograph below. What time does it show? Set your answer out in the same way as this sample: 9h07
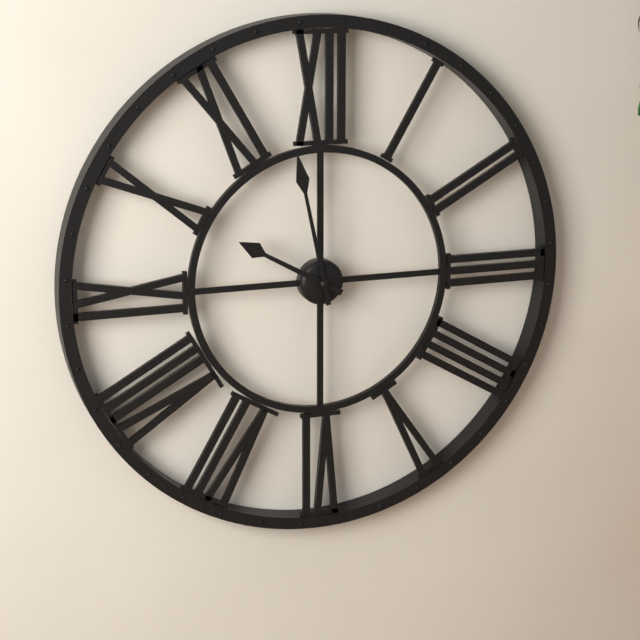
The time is 9h58
